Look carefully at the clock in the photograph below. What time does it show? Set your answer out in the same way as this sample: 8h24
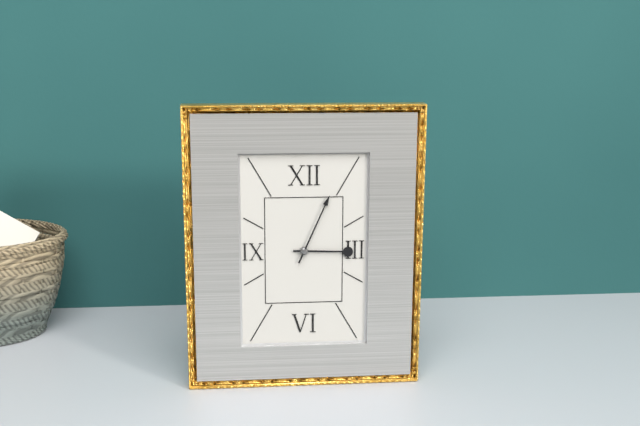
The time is 3h04
